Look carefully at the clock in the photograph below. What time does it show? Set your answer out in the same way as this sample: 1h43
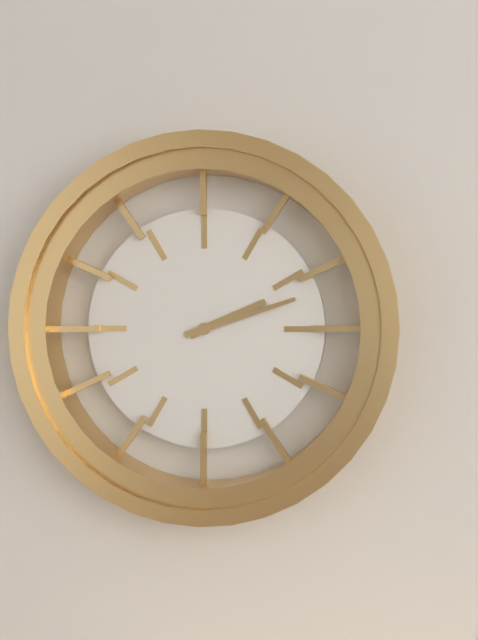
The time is 2h12
